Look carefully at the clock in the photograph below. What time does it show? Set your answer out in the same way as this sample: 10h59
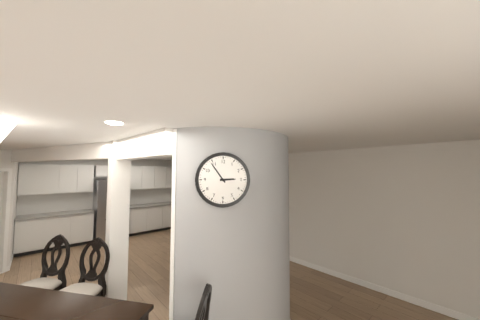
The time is 2h54
